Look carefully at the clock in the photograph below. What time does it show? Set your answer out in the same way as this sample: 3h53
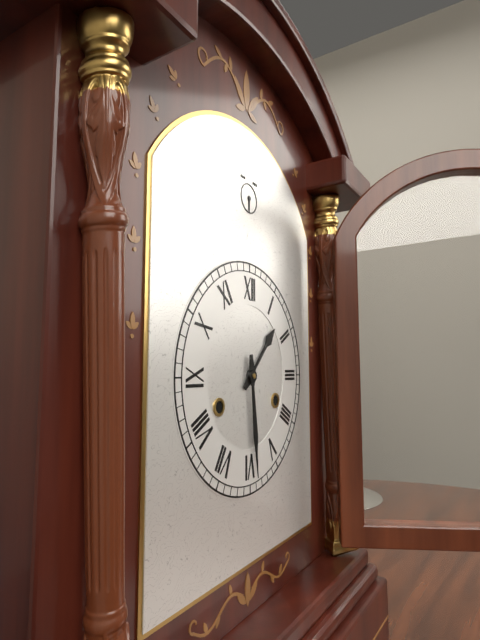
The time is 1h29
